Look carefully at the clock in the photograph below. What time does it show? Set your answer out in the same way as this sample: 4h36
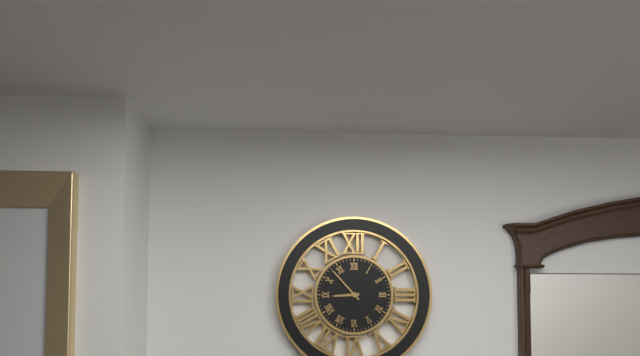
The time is 8h53
